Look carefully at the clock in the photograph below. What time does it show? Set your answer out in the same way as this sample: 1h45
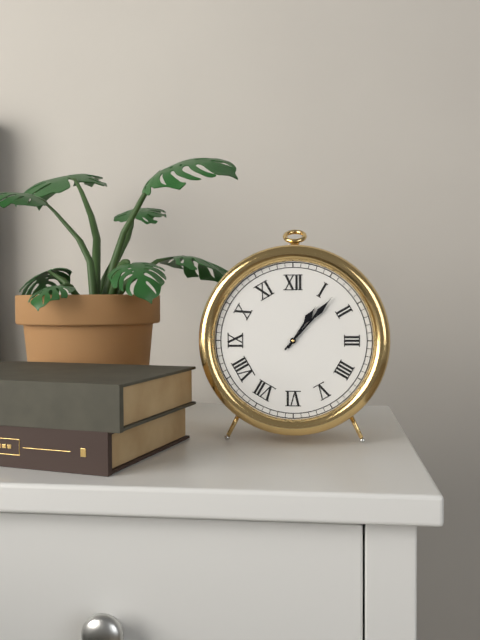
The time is 1h07
